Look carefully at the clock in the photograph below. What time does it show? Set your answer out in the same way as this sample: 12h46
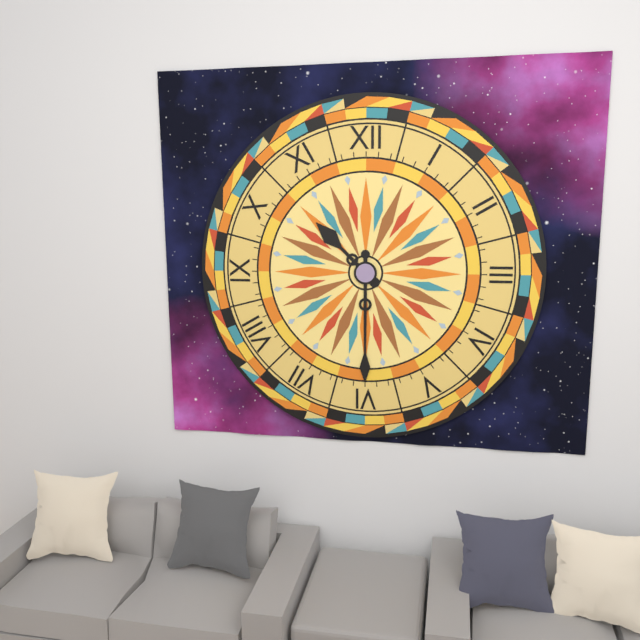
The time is 10h30
